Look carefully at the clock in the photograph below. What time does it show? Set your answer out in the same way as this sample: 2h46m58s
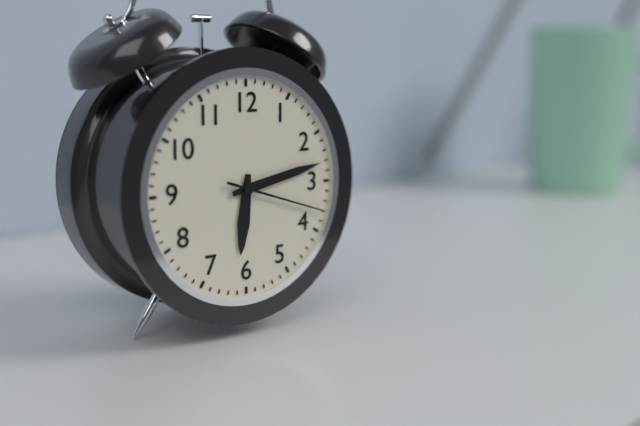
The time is 6h13m18s
